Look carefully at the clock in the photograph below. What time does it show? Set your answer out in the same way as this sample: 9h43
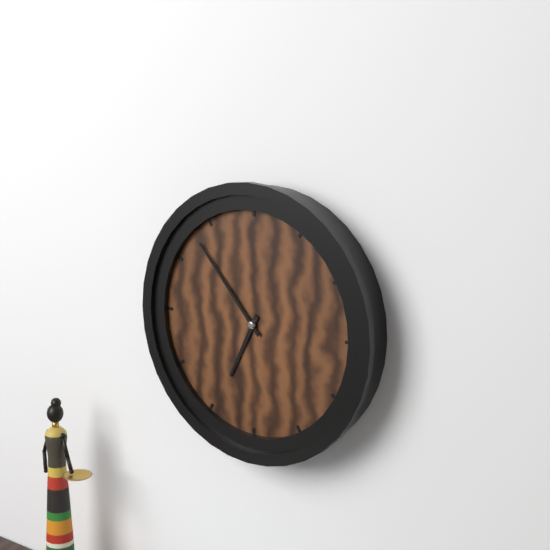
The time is 6h53
